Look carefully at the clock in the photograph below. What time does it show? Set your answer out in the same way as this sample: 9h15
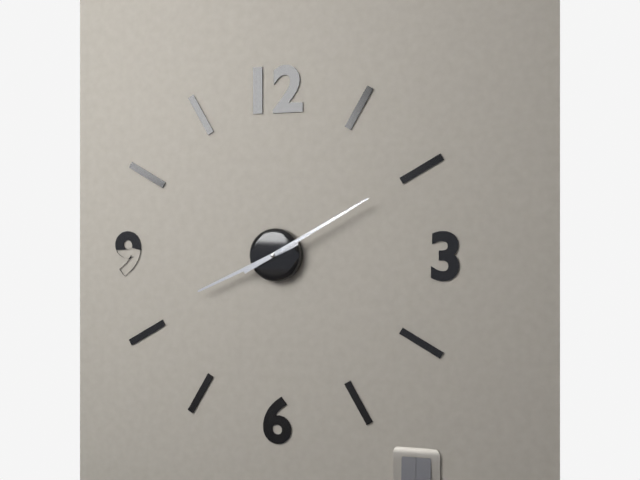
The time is 8h10
